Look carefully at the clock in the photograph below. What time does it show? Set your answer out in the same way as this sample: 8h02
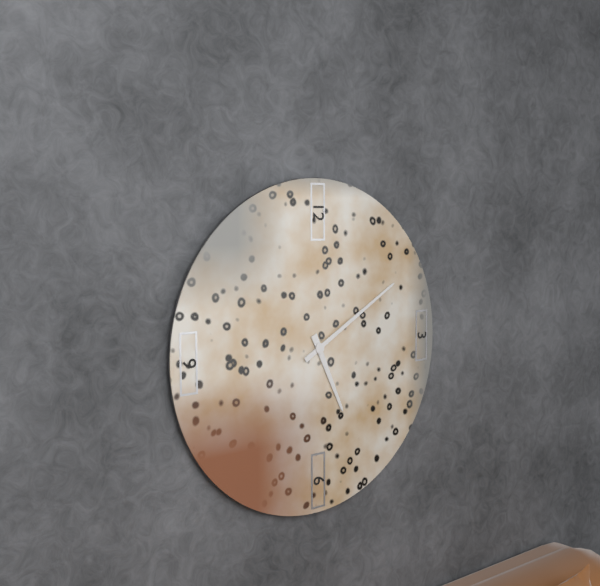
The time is 5h10
